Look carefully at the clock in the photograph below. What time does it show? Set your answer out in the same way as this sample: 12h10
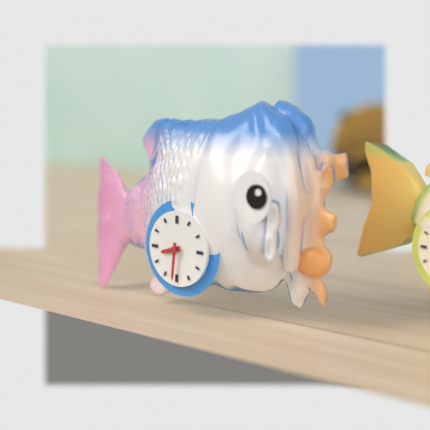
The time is 8h31
